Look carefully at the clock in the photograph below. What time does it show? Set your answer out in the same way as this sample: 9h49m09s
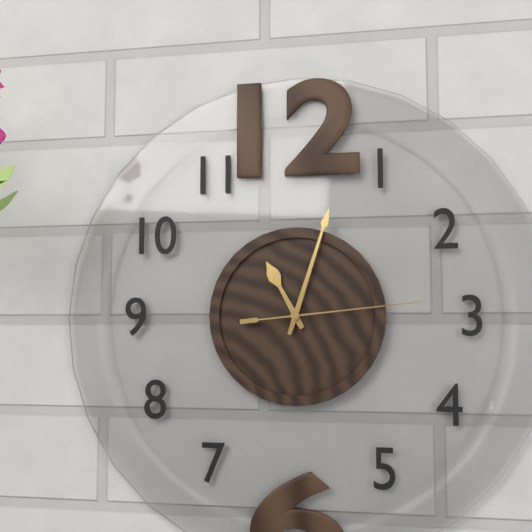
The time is 11h03m14s
